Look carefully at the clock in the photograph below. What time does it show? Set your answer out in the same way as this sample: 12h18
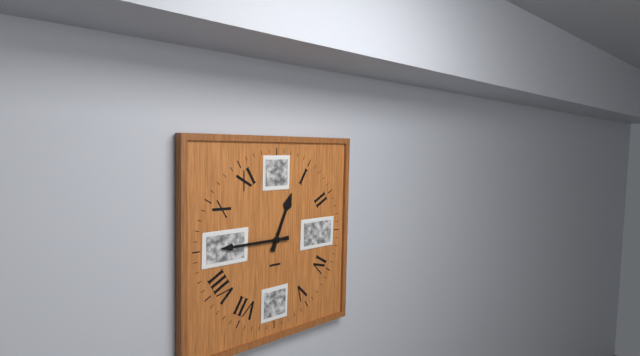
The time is 12h45
